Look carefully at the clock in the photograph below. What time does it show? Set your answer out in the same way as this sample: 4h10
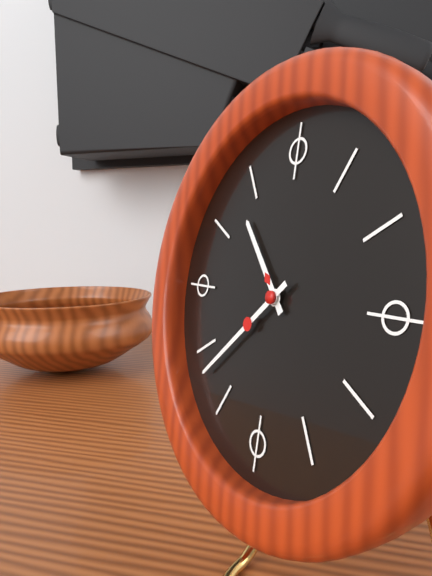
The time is 10h38
